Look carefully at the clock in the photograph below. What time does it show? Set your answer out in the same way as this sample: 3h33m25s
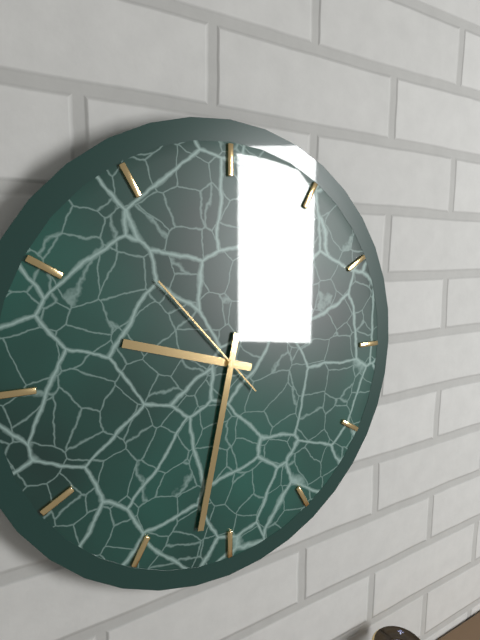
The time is 9h32m53s
